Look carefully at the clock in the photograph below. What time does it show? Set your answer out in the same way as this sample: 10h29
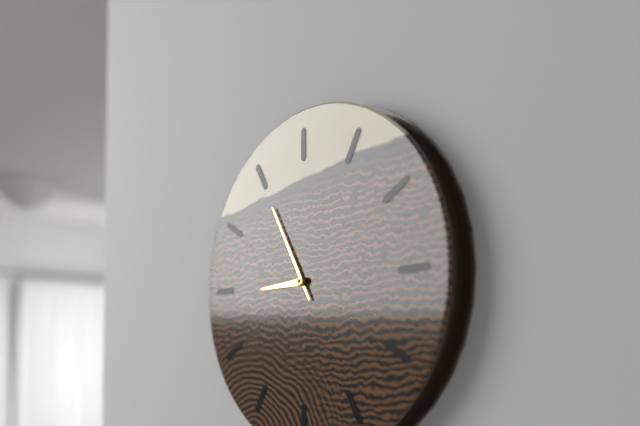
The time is 8h55
